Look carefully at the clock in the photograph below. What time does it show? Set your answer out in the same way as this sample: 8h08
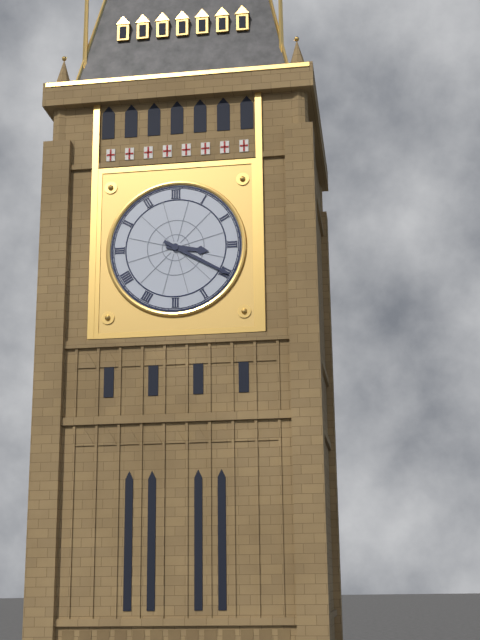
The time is 3h20
